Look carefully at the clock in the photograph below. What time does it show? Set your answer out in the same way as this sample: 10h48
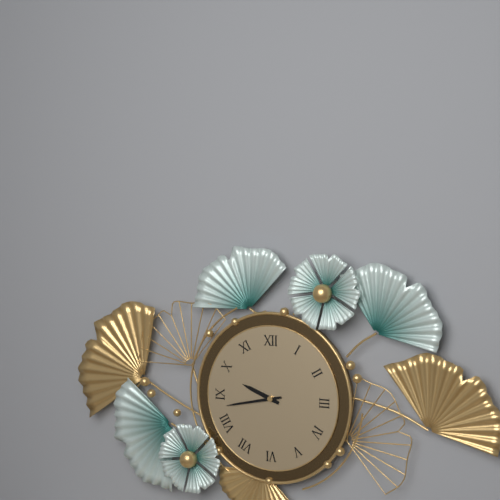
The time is 9h43
